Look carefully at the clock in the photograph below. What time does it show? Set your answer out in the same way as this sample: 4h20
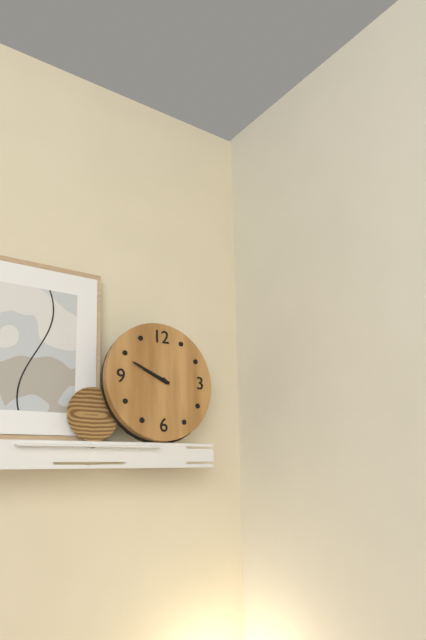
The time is 9h49
